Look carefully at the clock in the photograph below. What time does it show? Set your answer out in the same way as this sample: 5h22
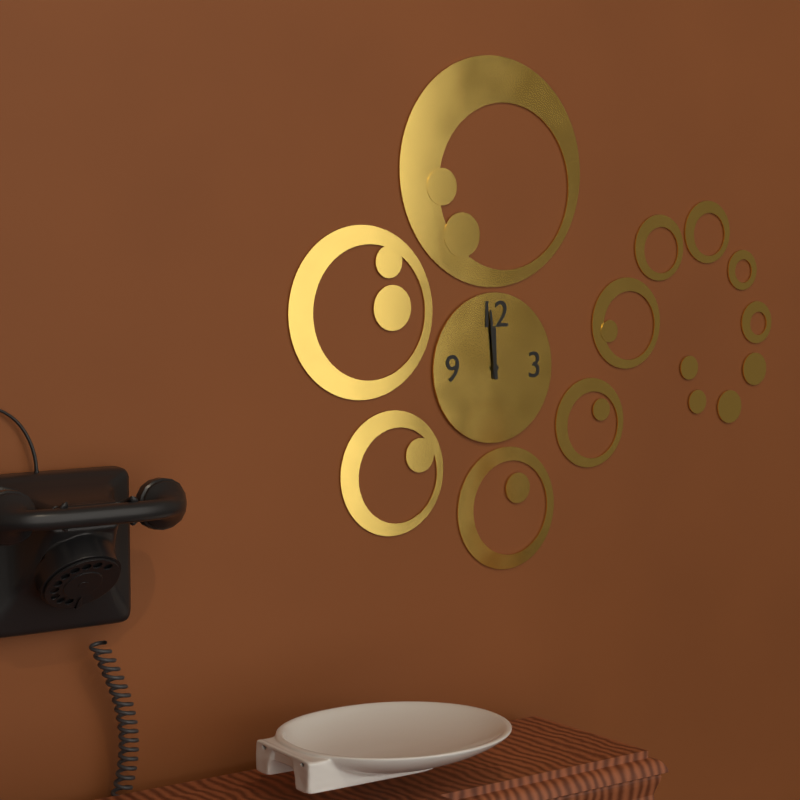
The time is 11h59
